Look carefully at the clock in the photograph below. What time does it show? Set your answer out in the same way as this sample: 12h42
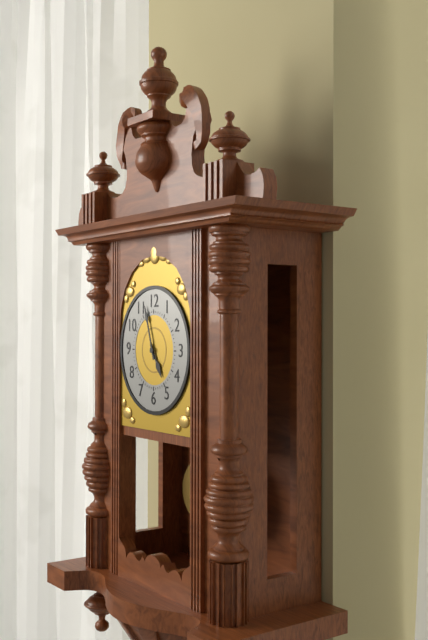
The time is 4h57
